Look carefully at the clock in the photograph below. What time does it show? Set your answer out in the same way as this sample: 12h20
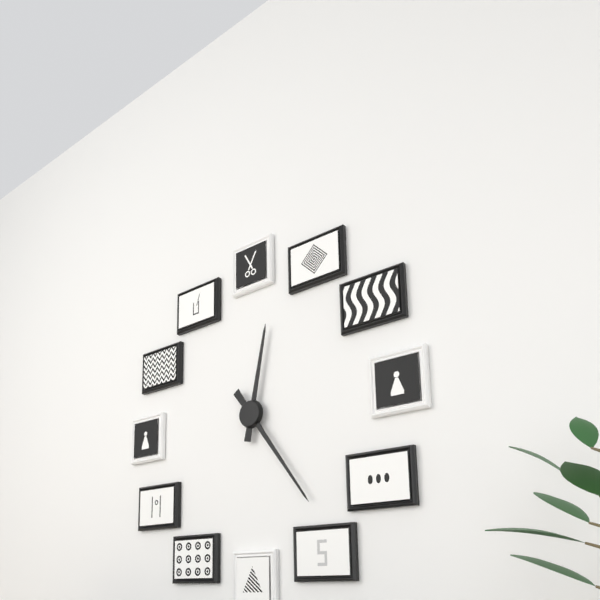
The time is 12h24
